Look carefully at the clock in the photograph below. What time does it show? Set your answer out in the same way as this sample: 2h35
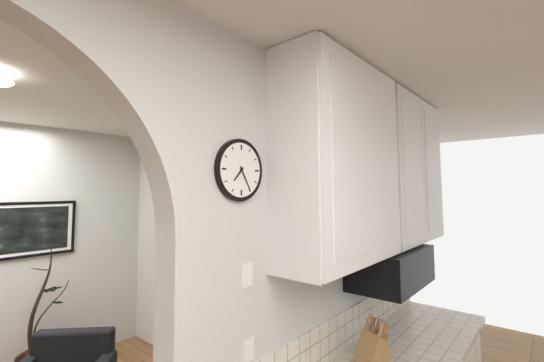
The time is 7h25
